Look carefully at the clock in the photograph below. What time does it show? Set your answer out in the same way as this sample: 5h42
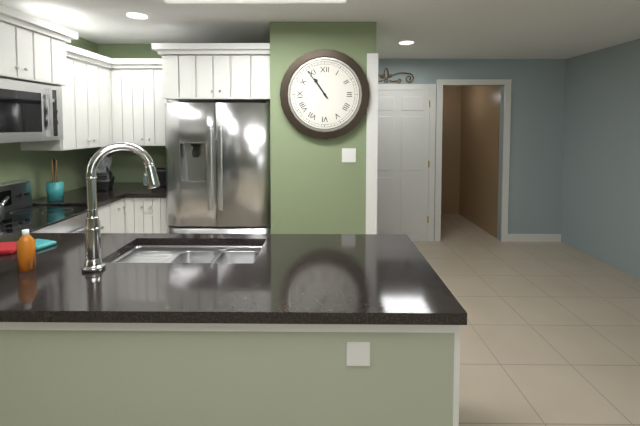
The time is 10h54
